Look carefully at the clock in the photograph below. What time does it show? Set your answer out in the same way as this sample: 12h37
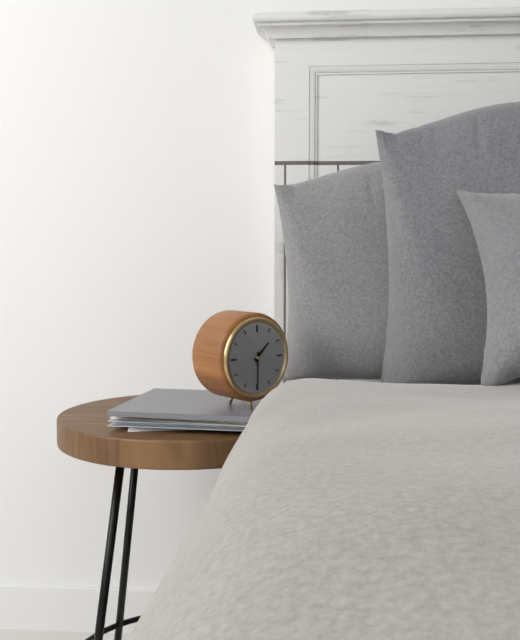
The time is 1h30
